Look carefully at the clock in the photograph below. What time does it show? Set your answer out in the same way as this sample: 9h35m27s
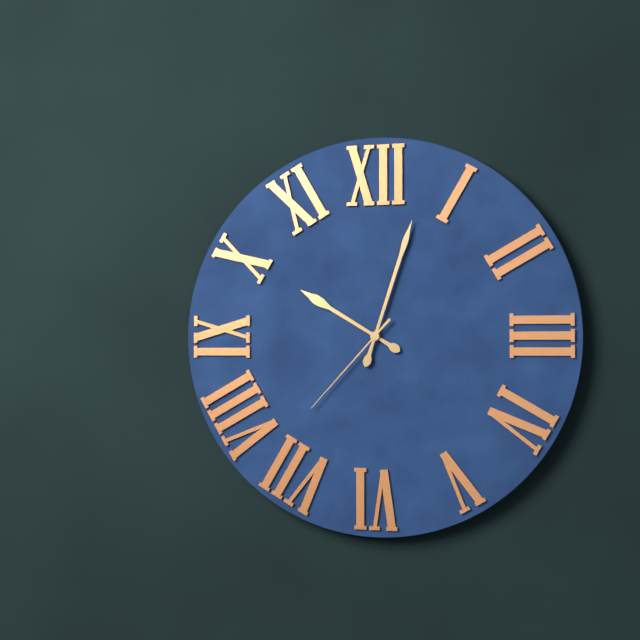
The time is 10h03m37s
